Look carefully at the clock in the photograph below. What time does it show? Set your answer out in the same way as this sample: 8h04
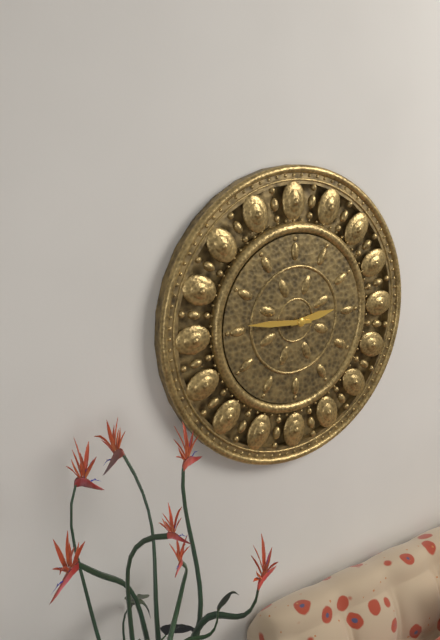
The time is 2h46
